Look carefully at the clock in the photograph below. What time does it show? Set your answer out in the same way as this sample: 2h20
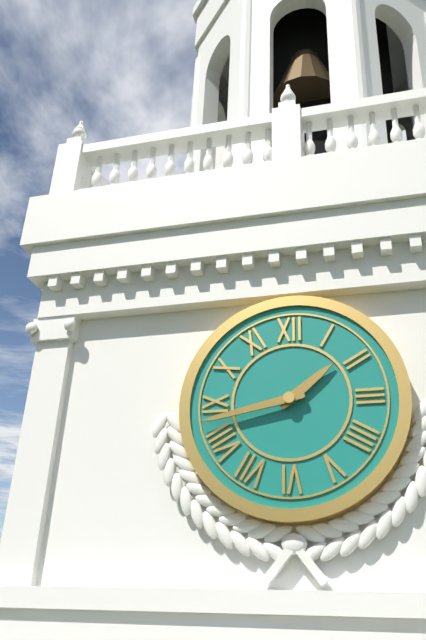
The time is 1h43
